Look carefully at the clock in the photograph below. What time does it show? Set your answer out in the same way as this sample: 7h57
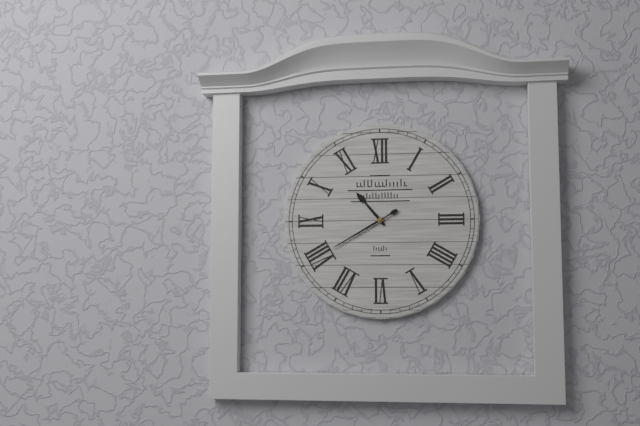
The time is 10h40
